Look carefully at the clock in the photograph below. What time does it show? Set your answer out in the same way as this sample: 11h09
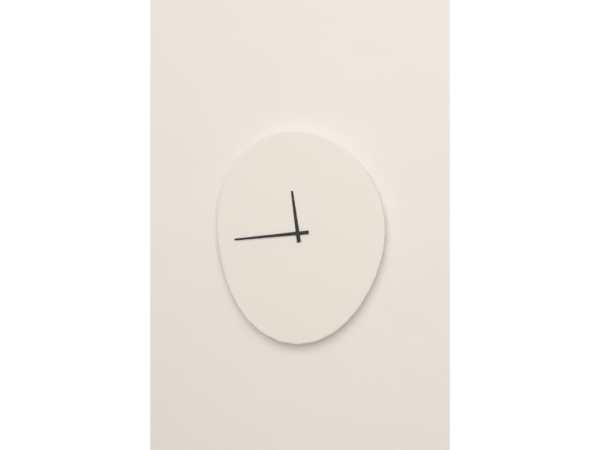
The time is 11h44
